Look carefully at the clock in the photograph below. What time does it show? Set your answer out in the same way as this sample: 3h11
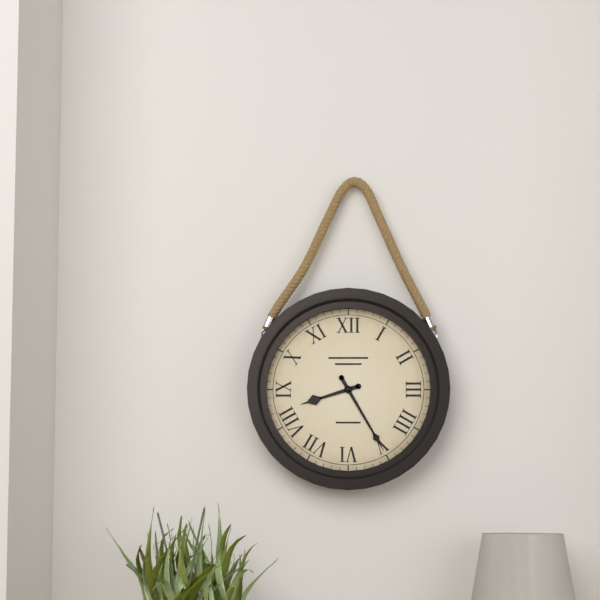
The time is 8h25
